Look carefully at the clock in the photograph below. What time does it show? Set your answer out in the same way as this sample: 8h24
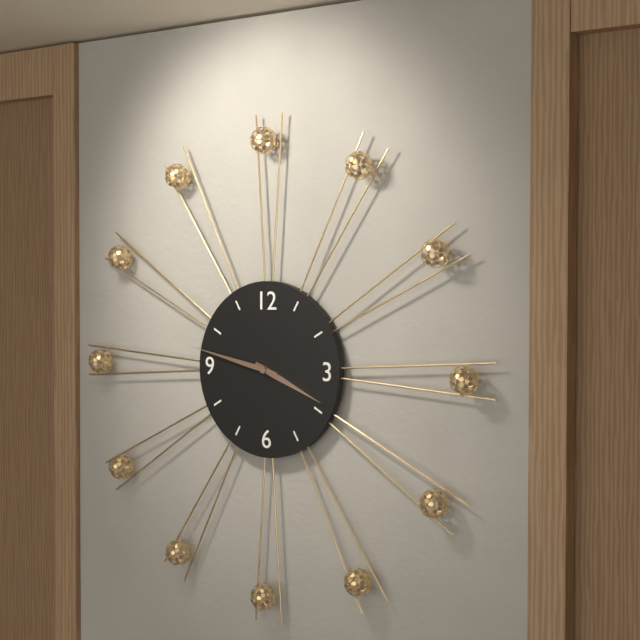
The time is 3h47
